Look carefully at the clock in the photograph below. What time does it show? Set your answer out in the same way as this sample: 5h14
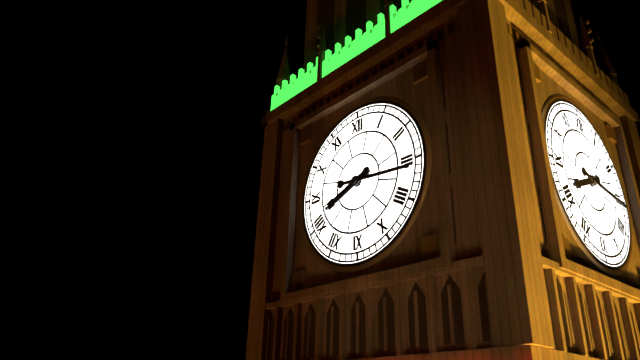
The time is 8h16
